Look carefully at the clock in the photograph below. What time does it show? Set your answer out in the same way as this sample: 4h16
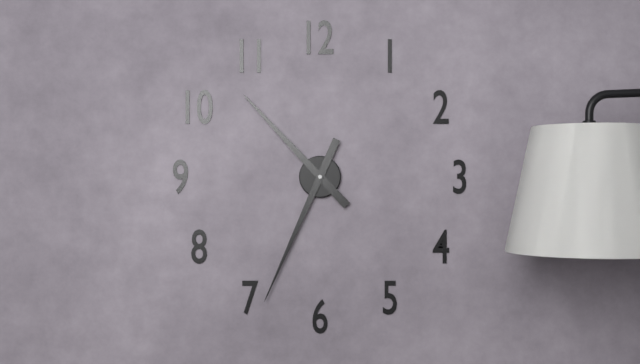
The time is 10h34
